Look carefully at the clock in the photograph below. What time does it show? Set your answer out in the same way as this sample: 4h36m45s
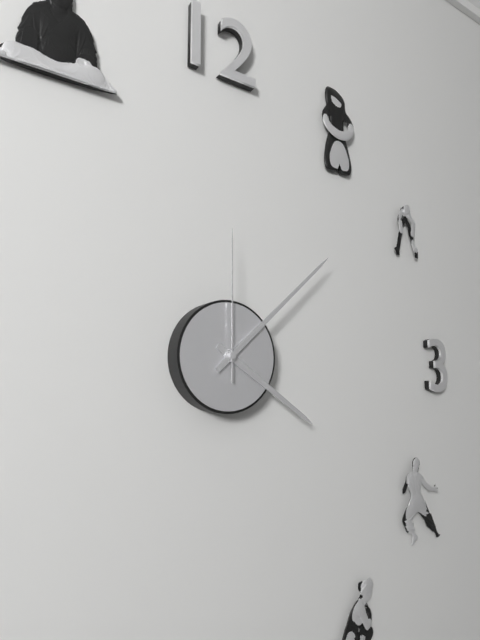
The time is 4h08m00s
